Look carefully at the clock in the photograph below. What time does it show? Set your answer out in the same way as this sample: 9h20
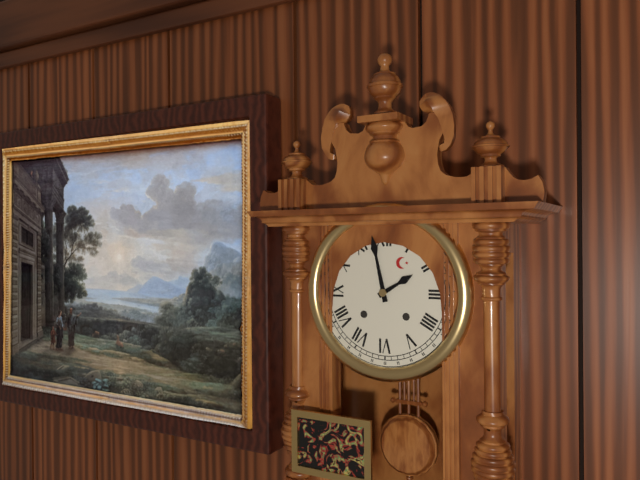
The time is 1h58
